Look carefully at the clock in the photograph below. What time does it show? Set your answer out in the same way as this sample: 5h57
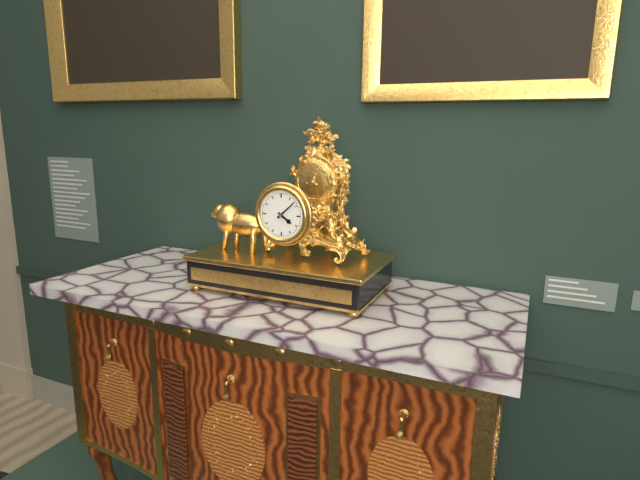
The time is 4h08
